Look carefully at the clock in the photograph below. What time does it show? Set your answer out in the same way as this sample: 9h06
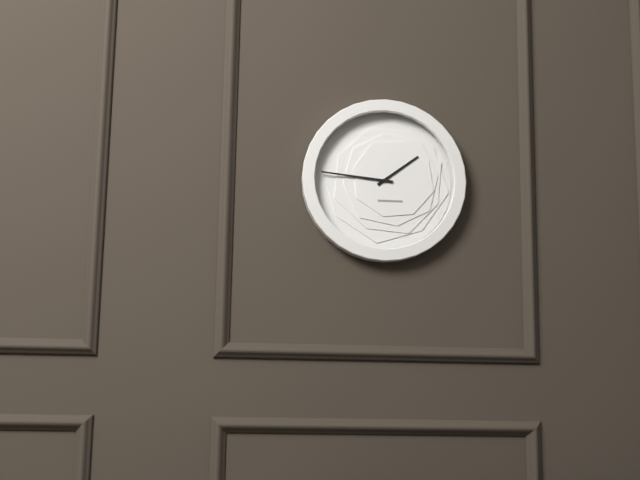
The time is 1h46
